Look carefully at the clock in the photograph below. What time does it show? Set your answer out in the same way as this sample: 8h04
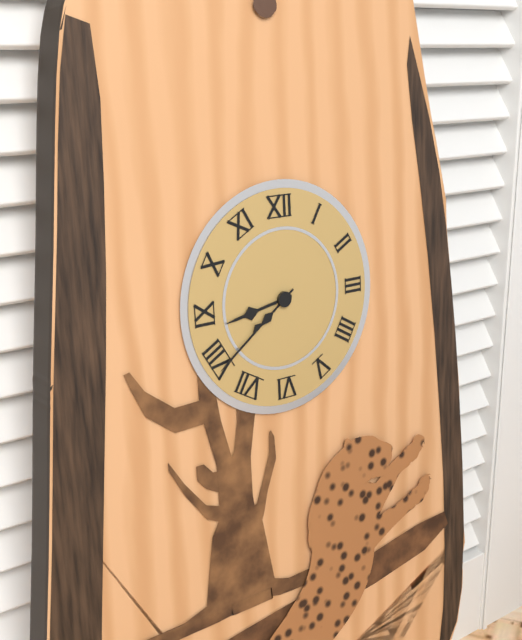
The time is 8h39
